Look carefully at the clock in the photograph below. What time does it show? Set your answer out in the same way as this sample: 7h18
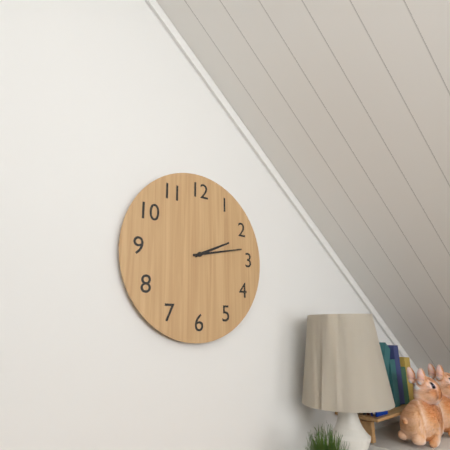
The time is 2h13
